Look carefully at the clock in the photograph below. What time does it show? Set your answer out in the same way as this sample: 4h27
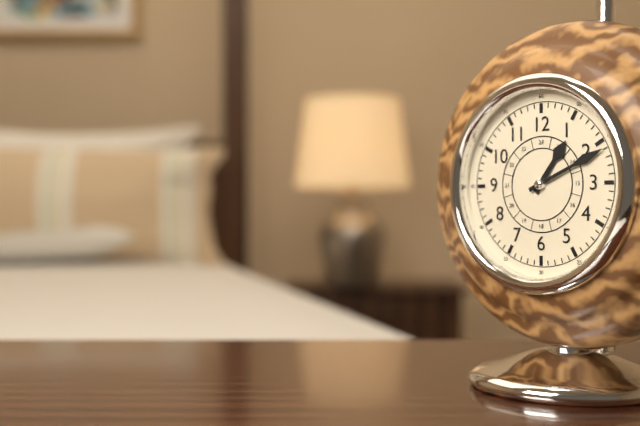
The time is 1h11
